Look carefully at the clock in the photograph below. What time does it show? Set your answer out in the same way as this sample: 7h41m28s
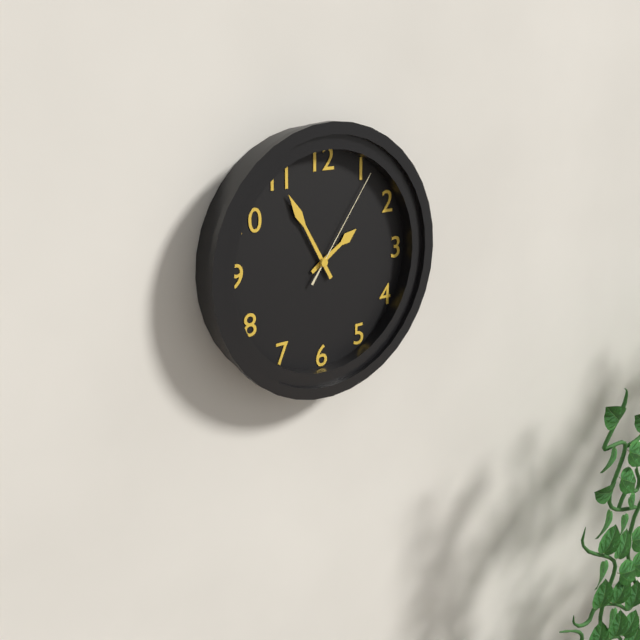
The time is 1h55m06s
